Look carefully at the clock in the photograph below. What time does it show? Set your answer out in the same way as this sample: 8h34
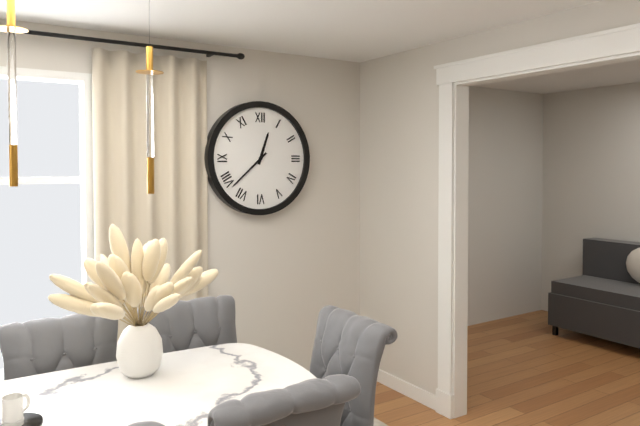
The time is 12h38
